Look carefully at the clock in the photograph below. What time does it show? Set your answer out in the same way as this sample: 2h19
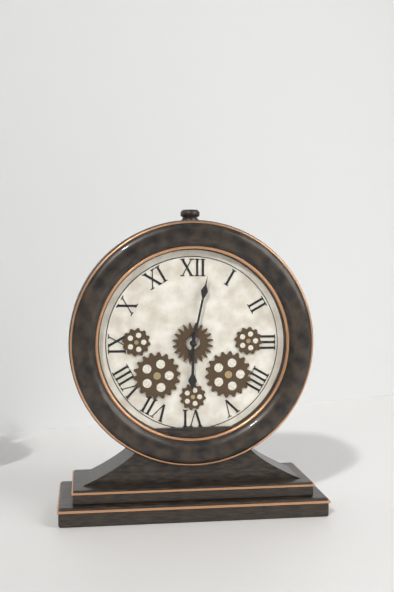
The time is 6h02
